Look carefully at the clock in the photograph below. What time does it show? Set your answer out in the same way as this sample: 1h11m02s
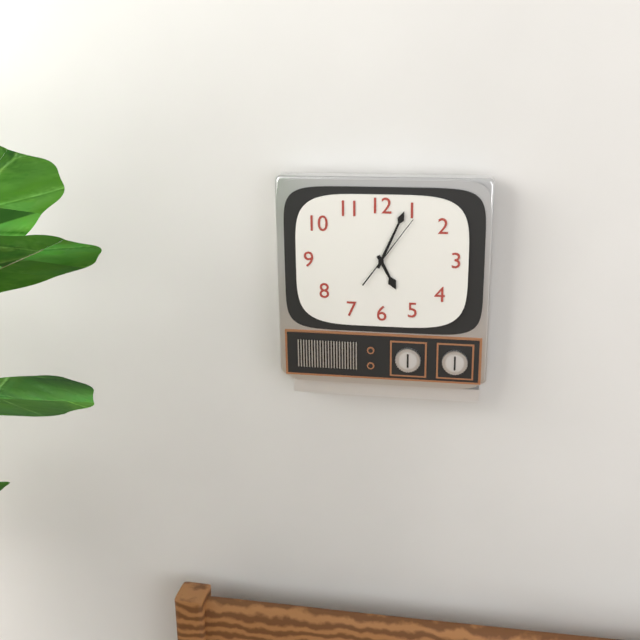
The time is 5h04m06s
